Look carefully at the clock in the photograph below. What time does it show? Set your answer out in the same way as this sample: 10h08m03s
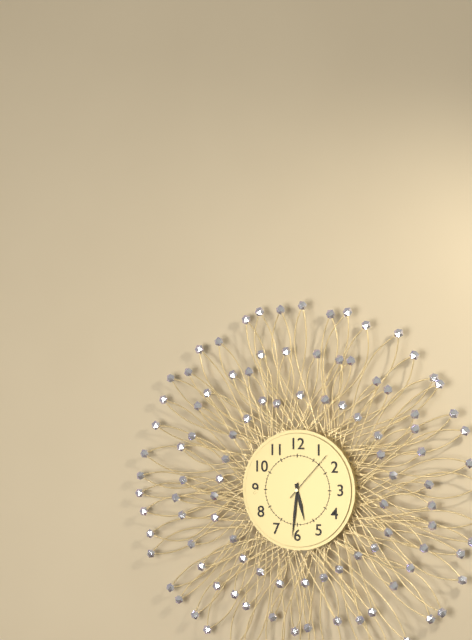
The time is 5h31m07s
